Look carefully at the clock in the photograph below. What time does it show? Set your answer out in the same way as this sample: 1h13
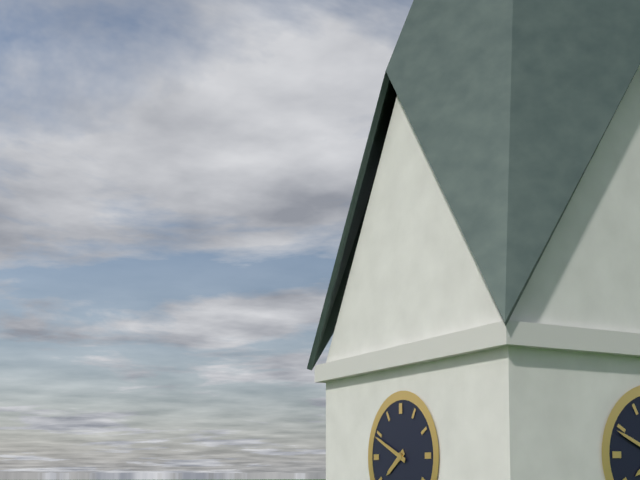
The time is 7h49
